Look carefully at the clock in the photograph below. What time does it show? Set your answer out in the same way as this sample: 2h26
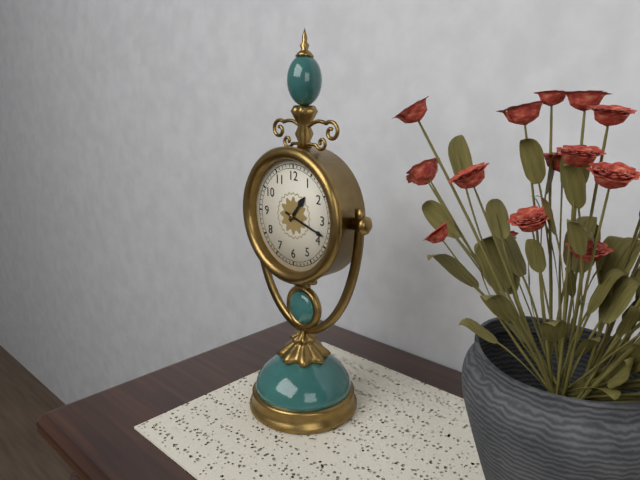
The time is 1h18
